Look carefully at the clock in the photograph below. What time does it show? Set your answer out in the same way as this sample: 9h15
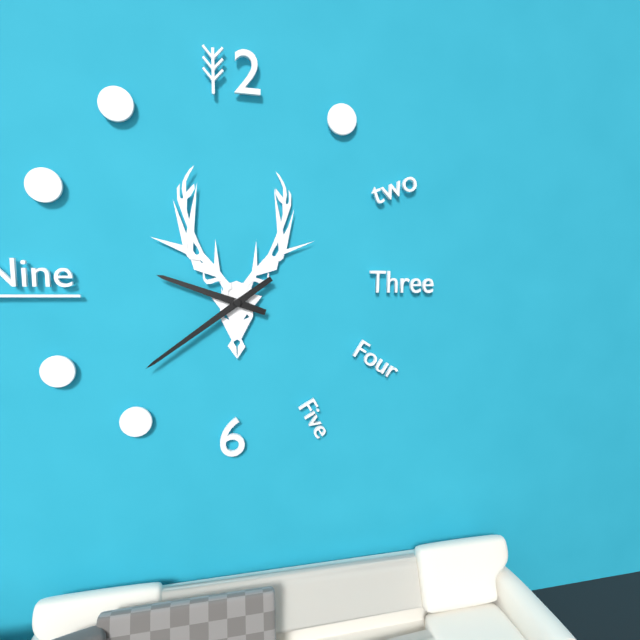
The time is 9h39
